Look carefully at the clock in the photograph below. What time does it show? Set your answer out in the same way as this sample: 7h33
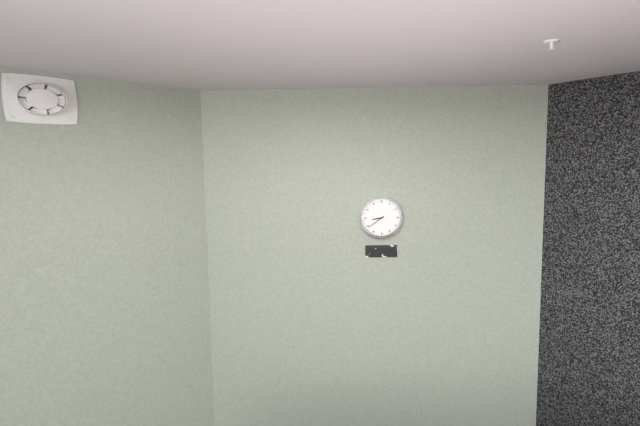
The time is 8h39
